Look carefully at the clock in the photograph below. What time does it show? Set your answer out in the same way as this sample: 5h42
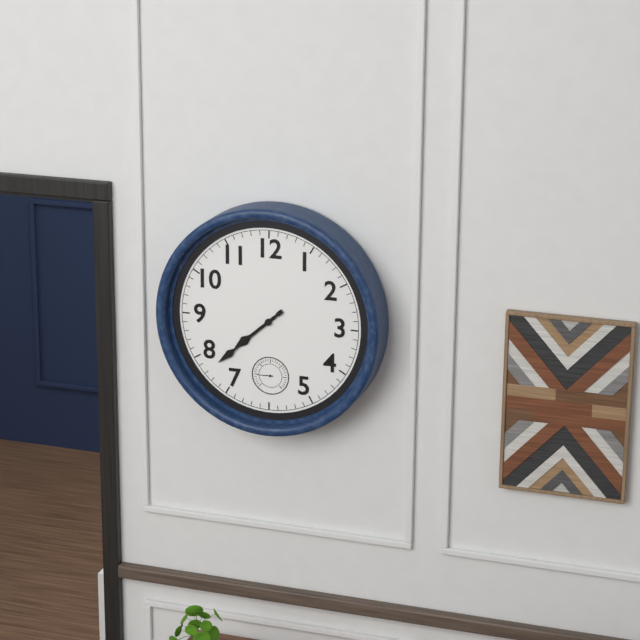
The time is 7h38
